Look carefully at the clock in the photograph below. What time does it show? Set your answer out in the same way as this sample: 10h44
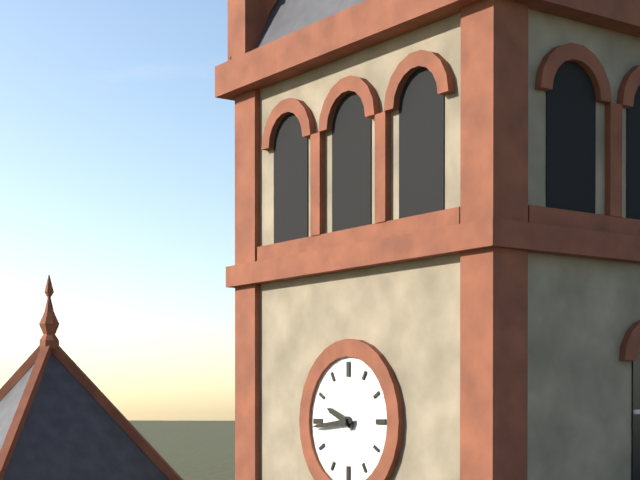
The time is 9h44
